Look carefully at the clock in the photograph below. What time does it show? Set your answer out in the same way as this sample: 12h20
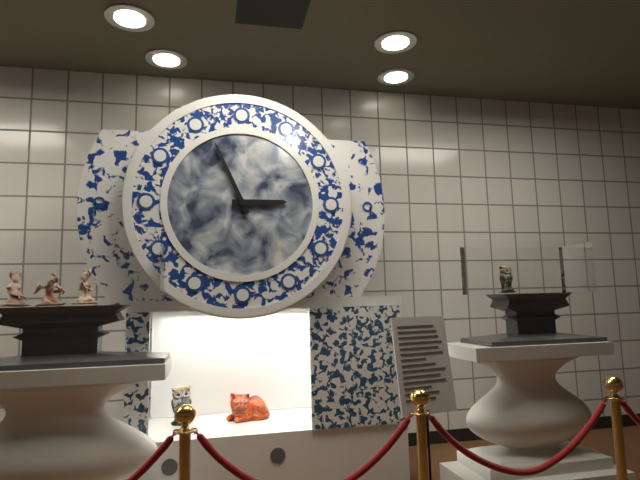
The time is 2h56
